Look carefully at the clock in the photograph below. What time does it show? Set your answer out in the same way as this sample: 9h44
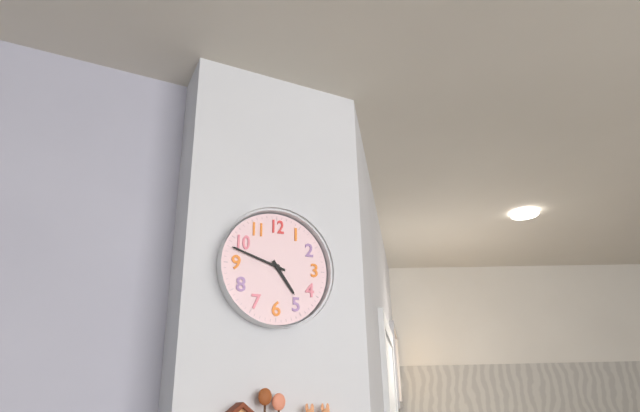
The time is 4h48
